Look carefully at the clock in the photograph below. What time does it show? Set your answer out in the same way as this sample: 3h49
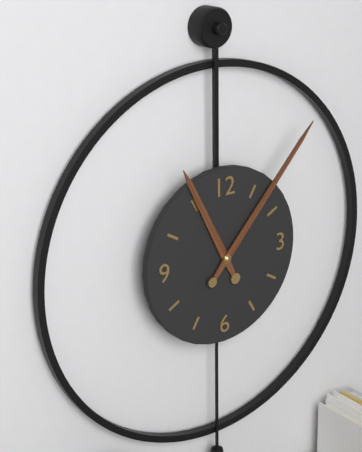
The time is 11h07
